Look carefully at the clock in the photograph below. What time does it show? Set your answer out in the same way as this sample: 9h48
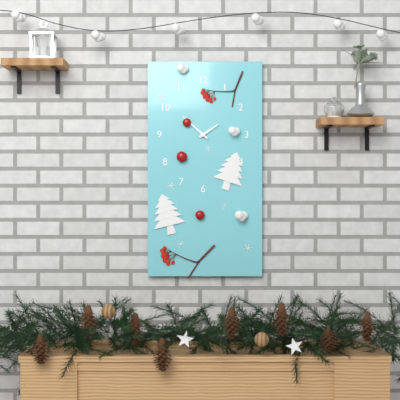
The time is 1h52
